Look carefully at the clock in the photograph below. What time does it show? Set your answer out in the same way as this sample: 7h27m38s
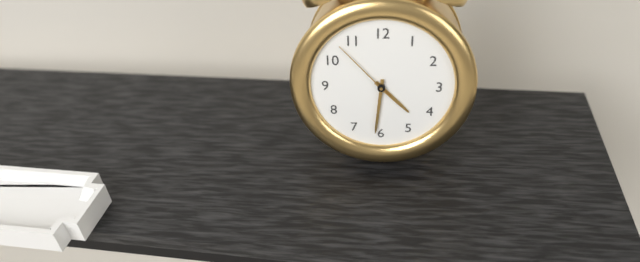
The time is 4h31m53s
